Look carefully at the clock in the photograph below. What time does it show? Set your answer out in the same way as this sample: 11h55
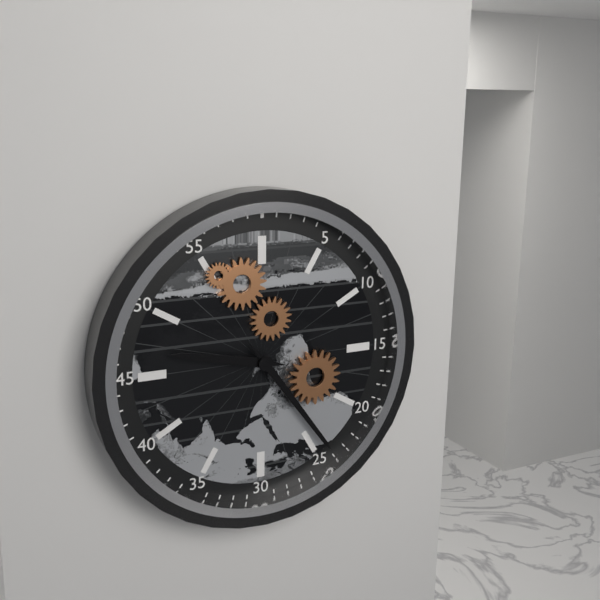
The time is 9h24
